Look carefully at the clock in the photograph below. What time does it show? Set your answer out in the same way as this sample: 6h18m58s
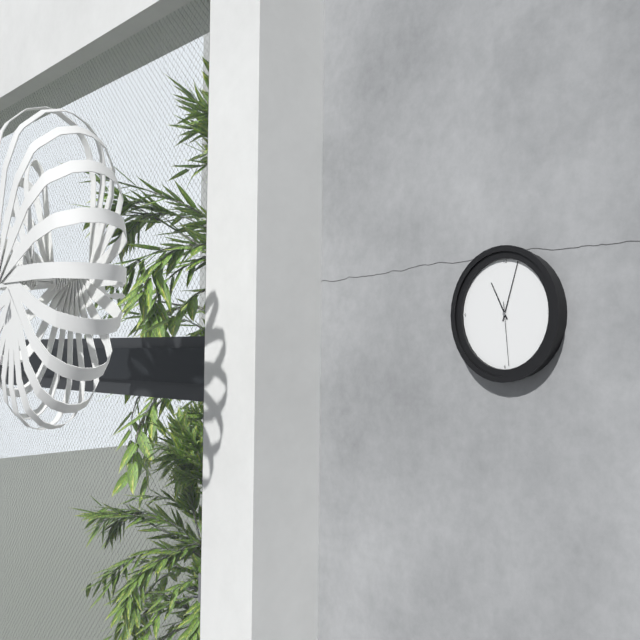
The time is 11h03m29s
